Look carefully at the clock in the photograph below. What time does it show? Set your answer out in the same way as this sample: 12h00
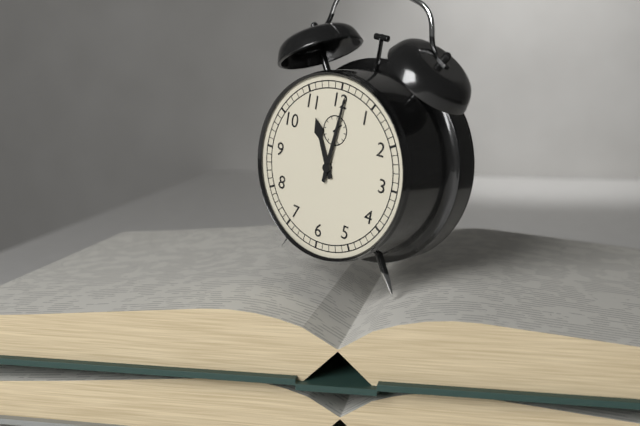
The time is 11h01
